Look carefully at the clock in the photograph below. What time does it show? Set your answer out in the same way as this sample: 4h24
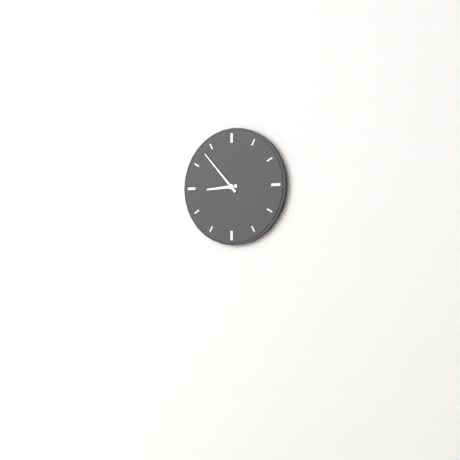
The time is 8h53
